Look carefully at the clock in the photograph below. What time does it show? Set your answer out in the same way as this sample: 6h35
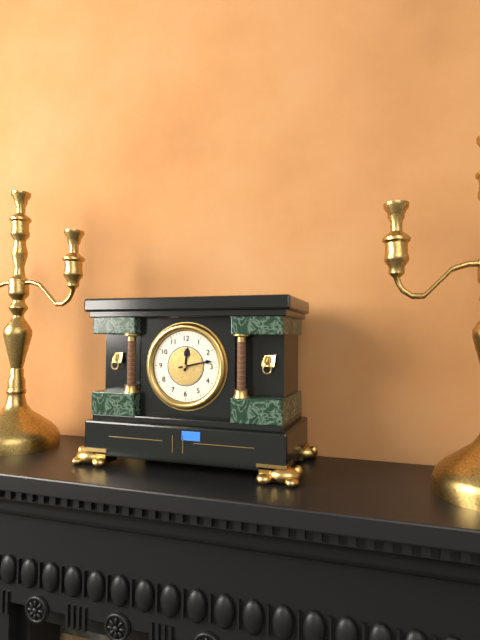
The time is 12h13
